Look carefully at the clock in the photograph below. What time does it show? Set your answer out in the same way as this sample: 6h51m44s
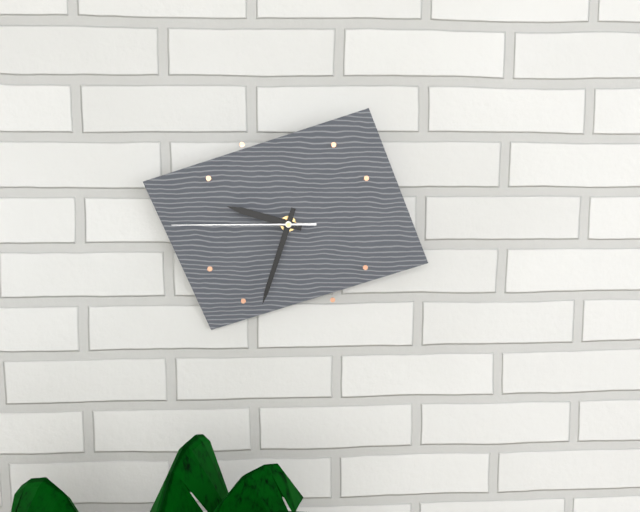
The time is 9h33m45s
